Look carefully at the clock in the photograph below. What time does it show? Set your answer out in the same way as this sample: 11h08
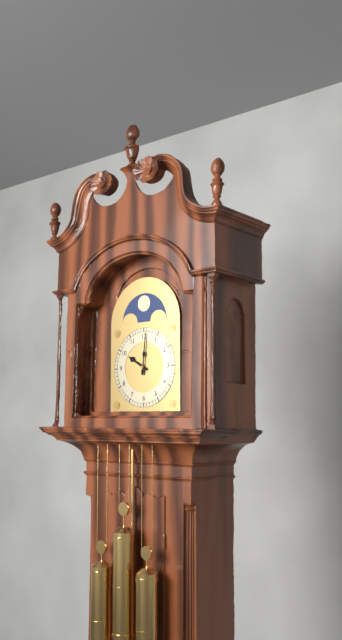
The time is 10h01
